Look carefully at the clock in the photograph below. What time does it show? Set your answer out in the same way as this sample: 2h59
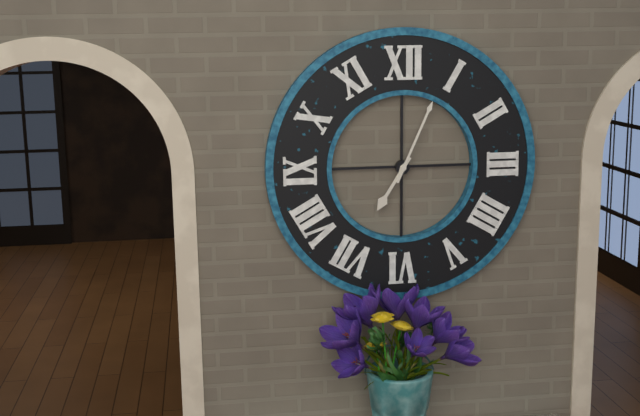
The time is 7h04
